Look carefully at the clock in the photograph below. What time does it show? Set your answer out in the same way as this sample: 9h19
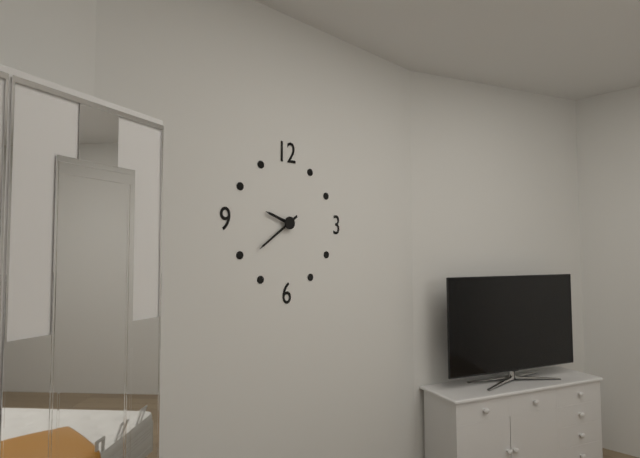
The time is 9h39
